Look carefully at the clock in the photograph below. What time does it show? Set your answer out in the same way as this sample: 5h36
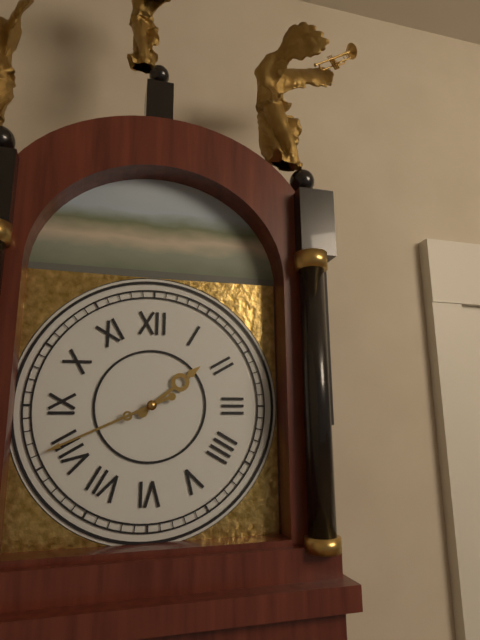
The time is 1h41
